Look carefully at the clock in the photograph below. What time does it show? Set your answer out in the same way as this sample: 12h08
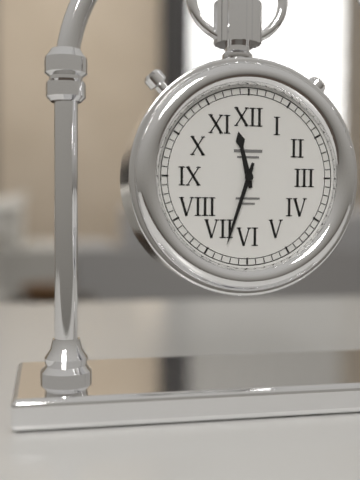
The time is 11h33
